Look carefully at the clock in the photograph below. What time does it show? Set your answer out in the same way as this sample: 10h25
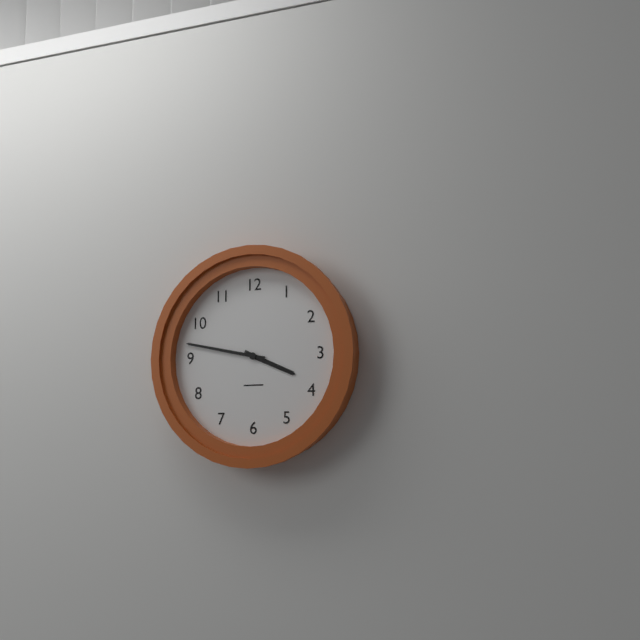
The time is 3h47
